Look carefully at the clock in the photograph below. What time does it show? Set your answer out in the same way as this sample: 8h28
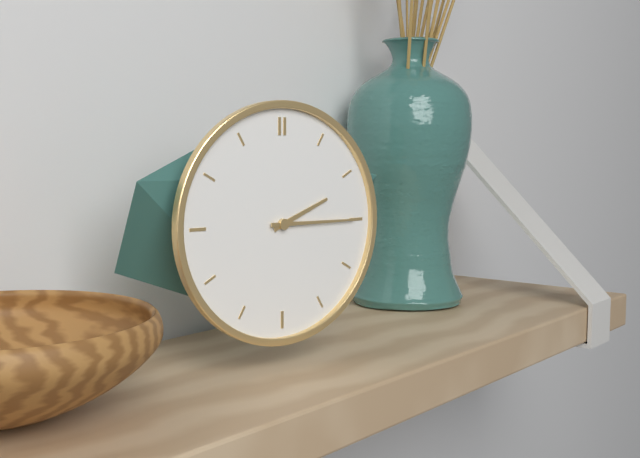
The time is 2h15
